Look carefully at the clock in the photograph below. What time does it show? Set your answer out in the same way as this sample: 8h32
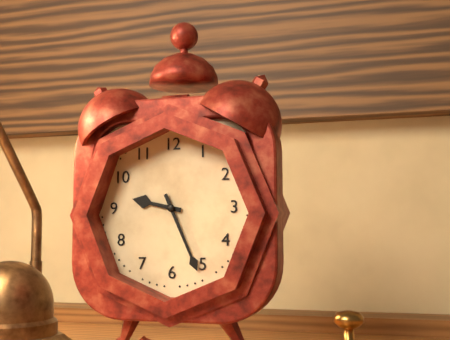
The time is 9h26
